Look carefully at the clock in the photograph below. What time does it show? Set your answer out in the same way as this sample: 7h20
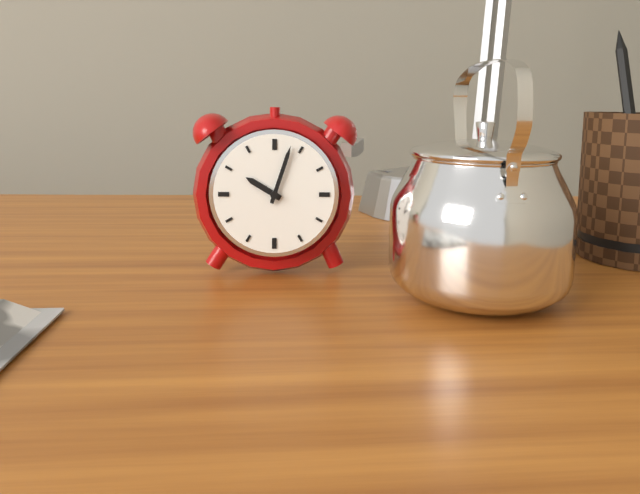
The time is 10h03
